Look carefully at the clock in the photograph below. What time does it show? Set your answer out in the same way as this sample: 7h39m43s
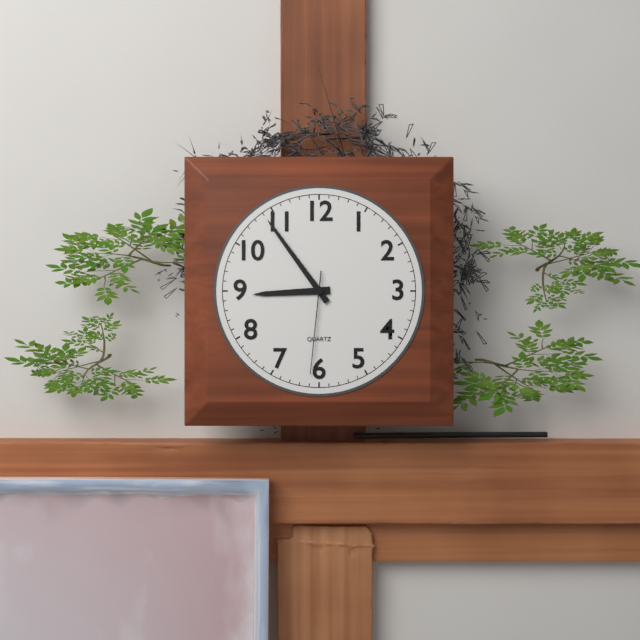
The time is 8h54m31s
